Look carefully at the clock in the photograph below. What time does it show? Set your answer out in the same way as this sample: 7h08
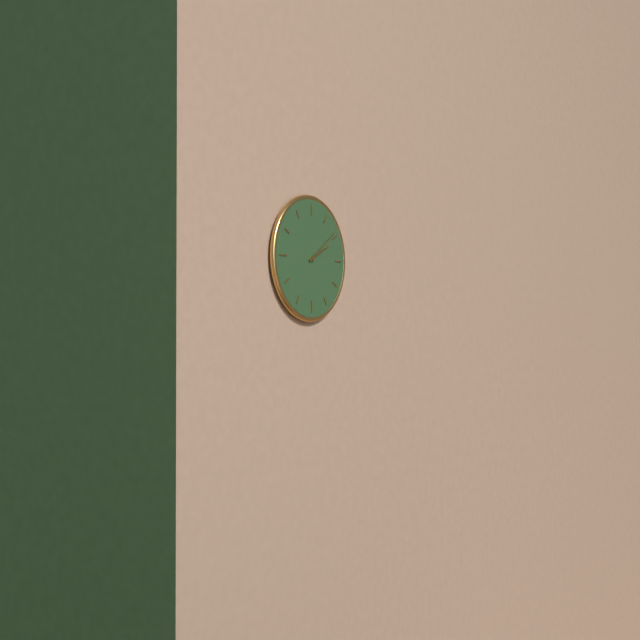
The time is 2h09
